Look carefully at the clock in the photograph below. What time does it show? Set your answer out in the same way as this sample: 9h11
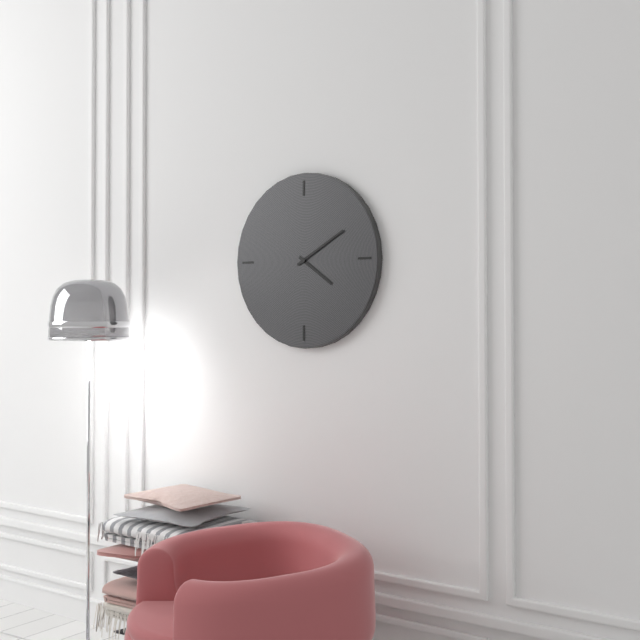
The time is 4h10
